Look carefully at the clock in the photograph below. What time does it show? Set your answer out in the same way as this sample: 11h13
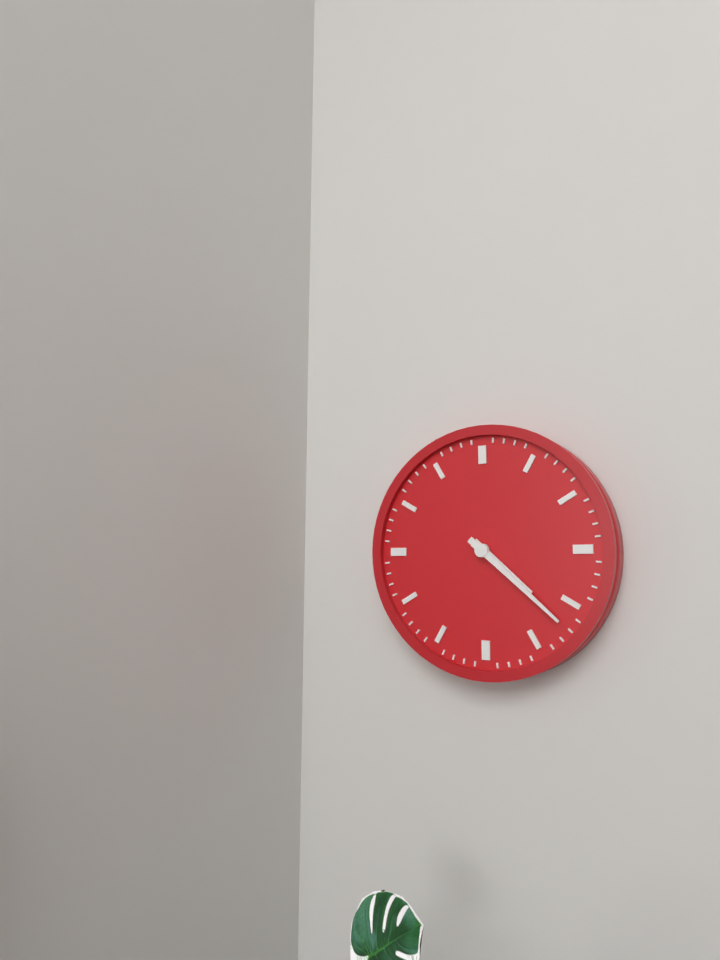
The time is 4h22
